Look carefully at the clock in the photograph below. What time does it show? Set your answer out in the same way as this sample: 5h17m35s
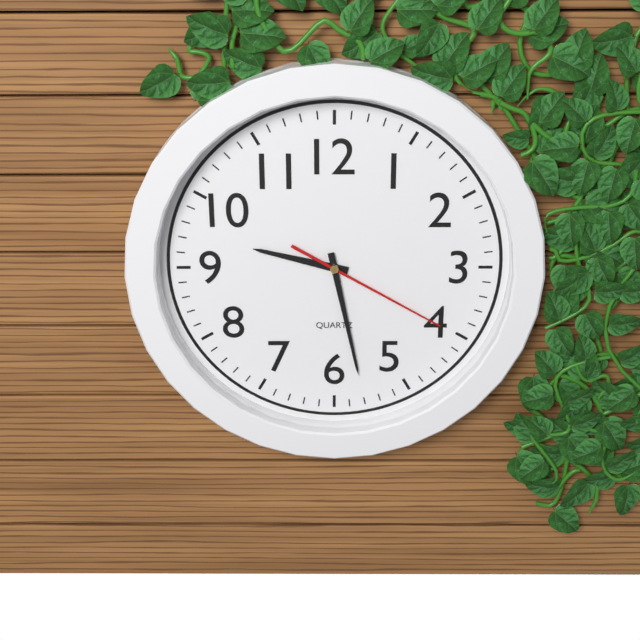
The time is 9h28m20s
